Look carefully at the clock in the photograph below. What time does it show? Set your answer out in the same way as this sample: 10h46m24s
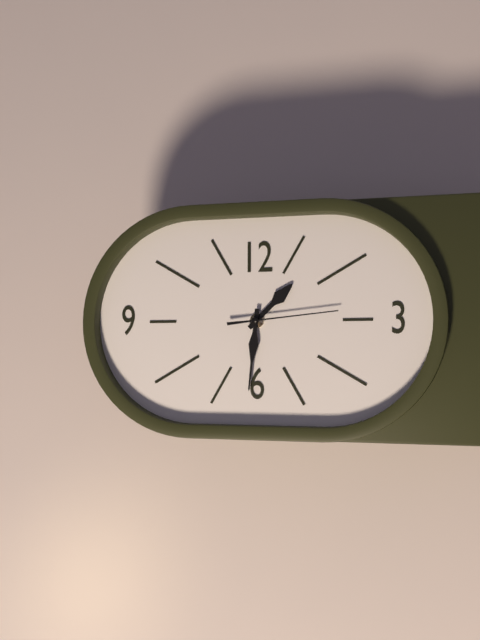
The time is 1h31m14s
